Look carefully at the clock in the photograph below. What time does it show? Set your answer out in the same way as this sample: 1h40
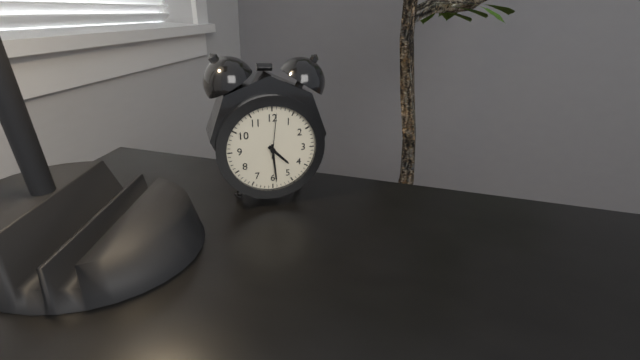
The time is 4h29
